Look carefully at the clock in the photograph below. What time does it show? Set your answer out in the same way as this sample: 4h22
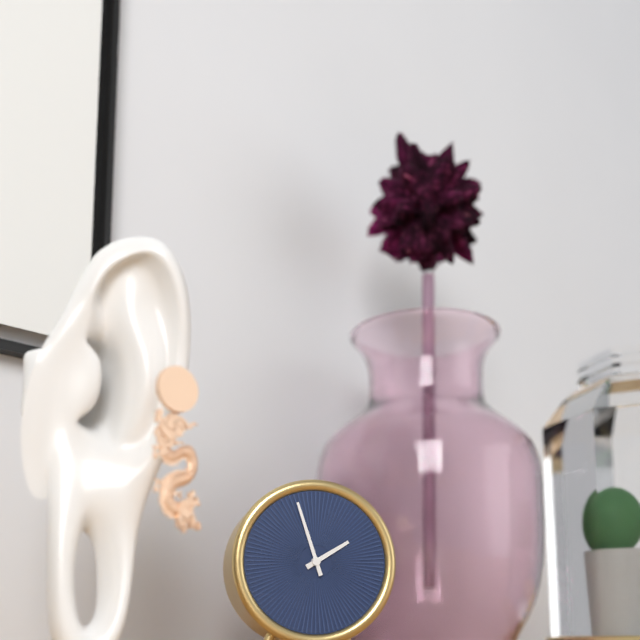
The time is 1h57
